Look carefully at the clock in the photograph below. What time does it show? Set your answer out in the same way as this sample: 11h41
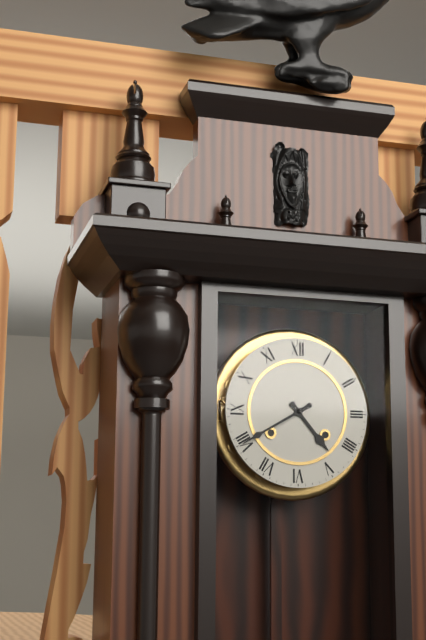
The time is 4h40
